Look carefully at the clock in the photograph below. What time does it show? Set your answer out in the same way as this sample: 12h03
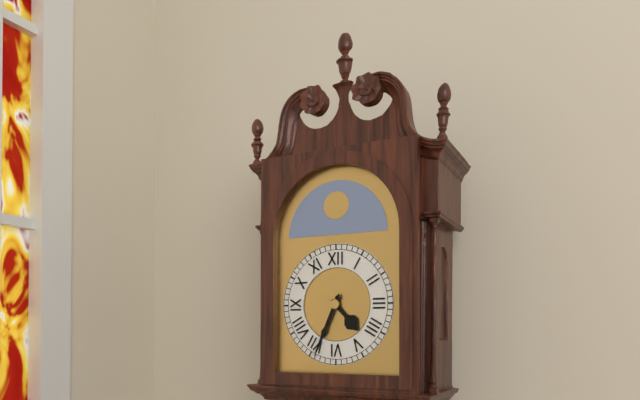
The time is 4h34
